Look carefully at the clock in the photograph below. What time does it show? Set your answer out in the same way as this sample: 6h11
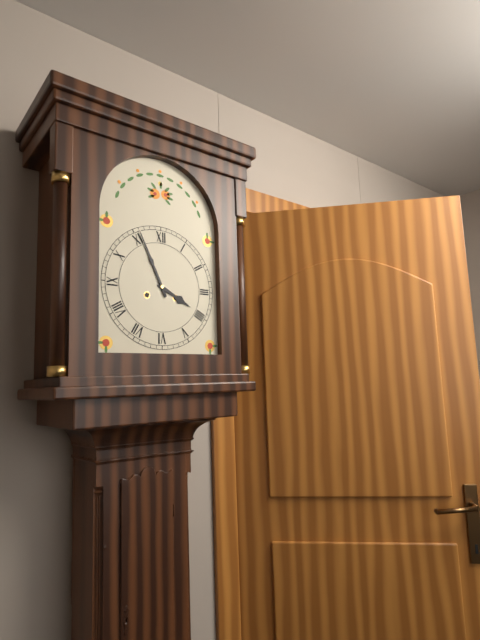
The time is 3h56
